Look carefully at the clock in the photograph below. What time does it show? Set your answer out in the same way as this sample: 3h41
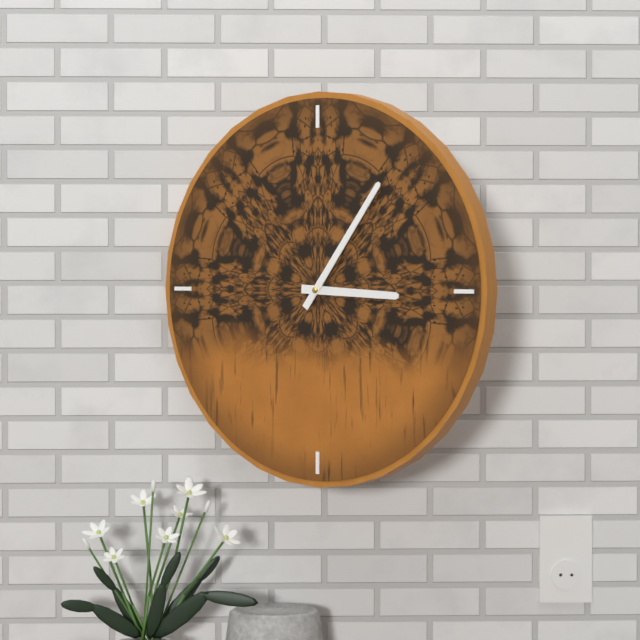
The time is 3h06
